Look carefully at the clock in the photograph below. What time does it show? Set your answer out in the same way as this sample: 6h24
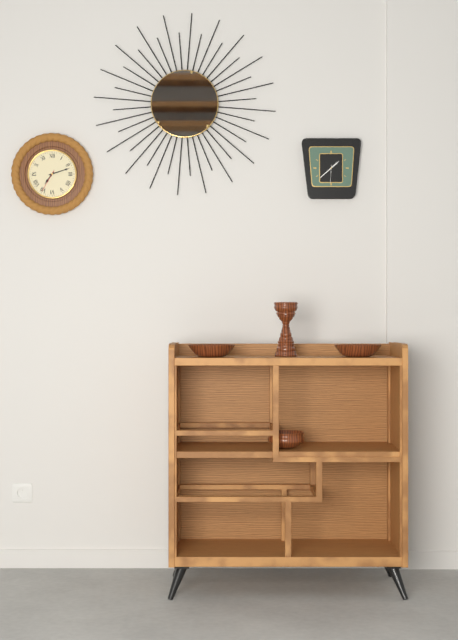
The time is 7h12
